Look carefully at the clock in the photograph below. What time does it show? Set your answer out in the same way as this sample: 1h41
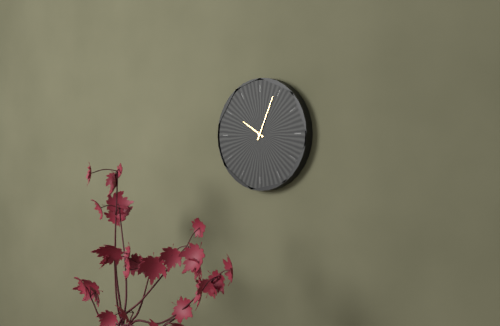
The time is 10h04
